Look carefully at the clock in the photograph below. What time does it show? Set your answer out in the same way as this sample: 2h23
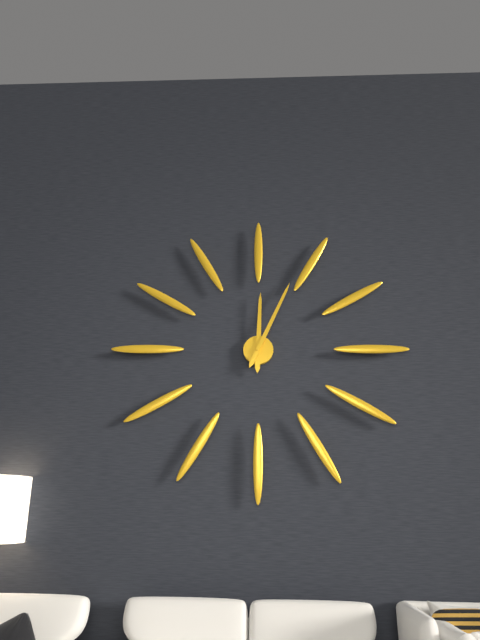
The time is 12h04
